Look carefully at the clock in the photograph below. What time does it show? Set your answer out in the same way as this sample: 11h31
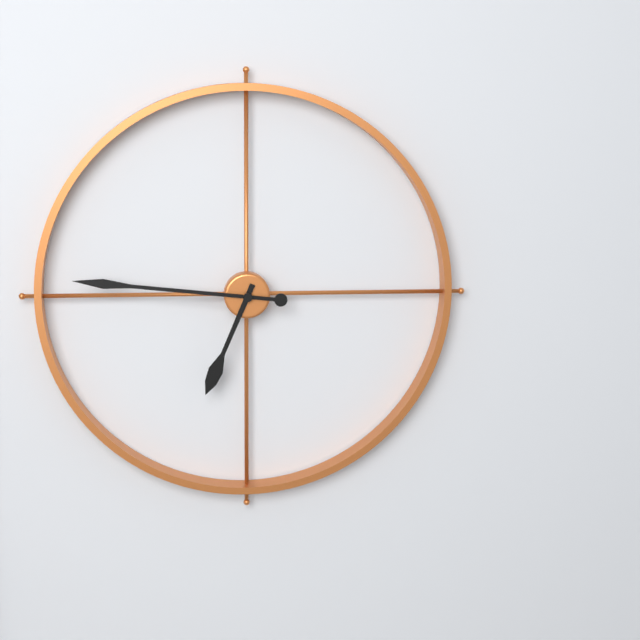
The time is 6h46
